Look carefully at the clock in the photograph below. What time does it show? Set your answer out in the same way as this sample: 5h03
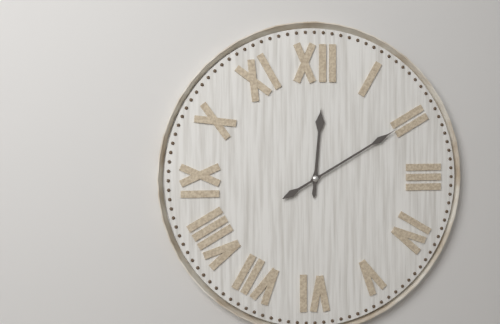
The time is 12h10
